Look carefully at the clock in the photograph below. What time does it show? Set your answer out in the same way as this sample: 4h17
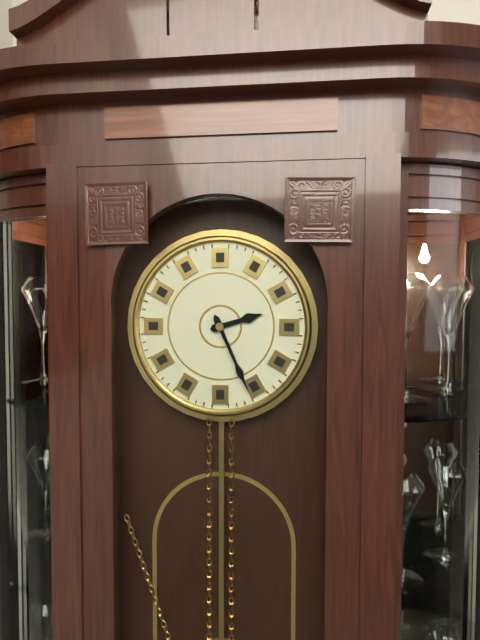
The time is 2h26
